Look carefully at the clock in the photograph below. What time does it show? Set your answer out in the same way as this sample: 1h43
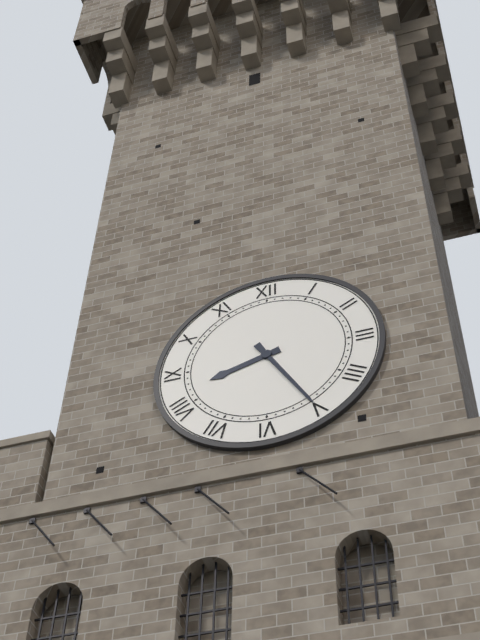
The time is 8h25
